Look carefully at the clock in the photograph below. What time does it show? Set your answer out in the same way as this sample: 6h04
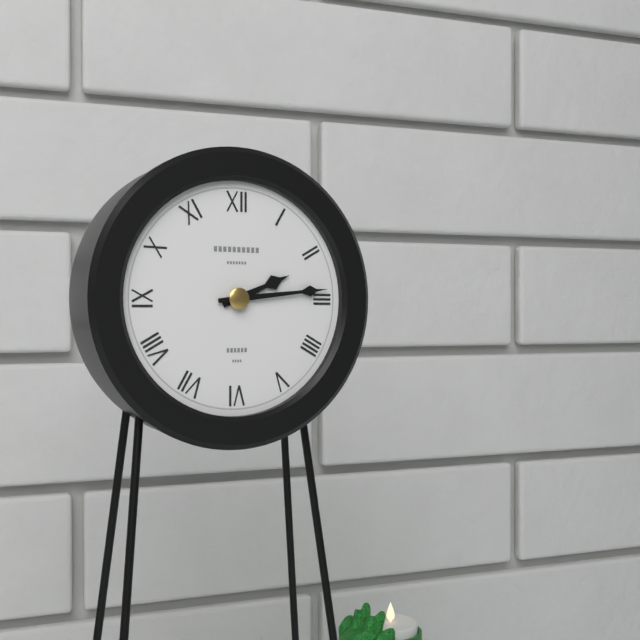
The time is 2h14
